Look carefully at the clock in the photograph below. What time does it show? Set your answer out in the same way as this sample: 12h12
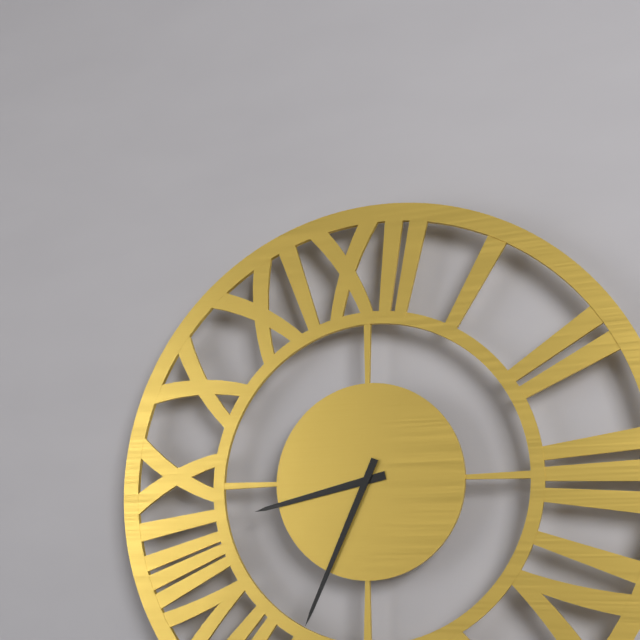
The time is 8h34
